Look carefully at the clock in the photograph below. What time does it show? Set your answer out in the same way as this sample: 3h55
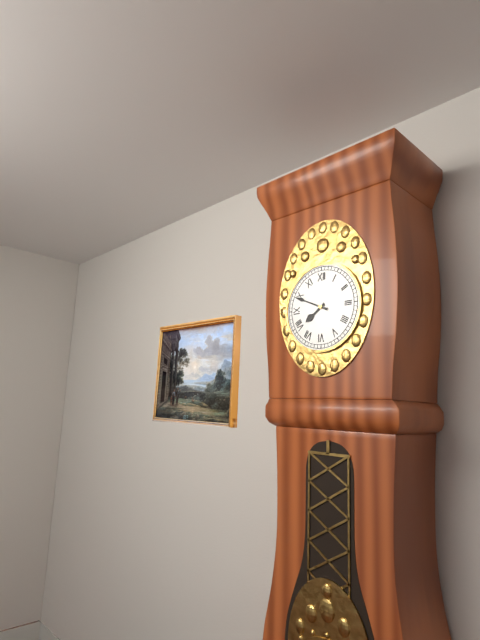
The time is 7h49
